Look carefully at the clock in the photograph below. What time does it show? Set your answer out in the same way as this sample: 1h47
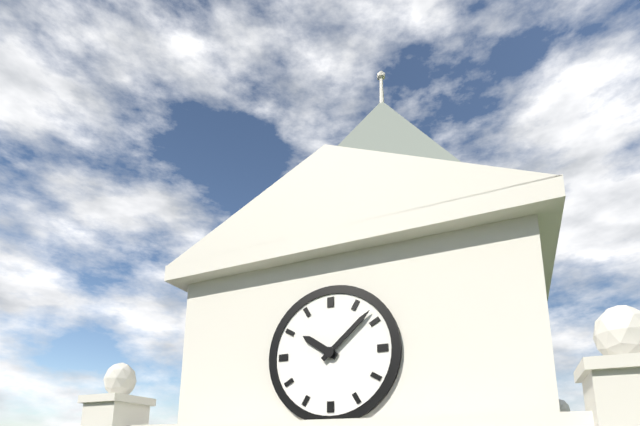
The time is 10h08
